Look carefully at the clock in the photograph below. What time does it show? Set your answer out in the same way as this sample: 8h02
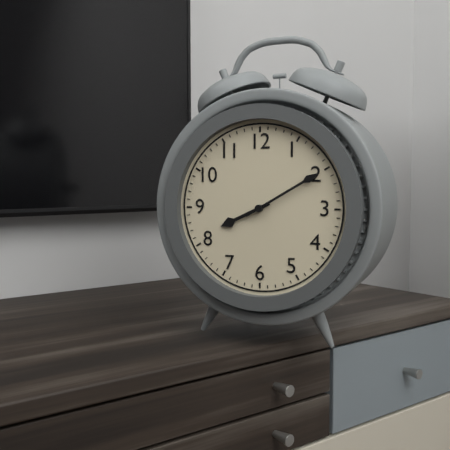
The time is 8h10
